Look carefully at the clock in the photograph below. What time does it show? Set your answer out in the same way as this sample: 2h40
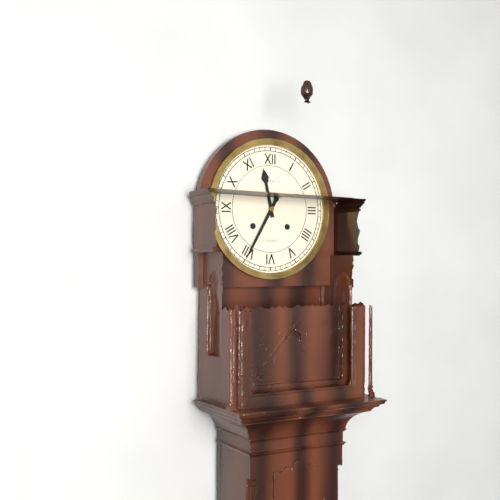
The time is 11h35
